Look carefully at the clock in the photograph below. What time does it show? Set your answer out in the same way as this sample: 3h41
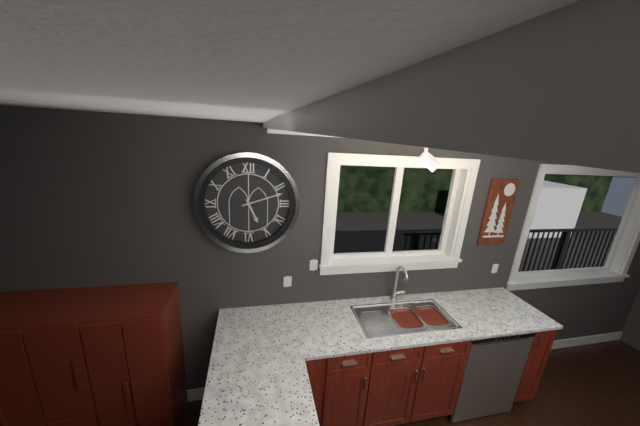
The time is 5h12
